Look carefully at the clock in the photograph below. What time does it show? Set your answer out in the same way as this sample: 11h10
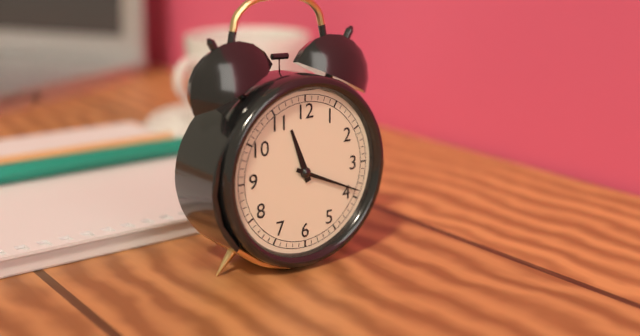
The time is 11h19
